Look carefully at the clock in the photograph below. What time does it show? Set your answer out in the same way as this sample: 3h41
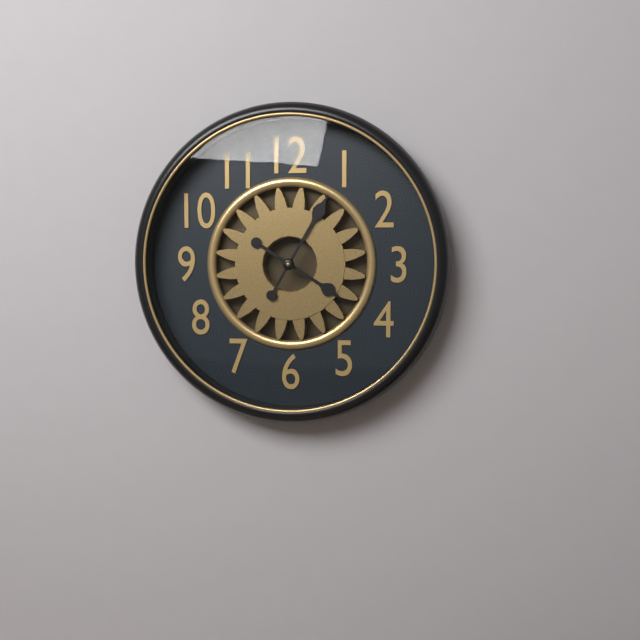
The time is 4h05
